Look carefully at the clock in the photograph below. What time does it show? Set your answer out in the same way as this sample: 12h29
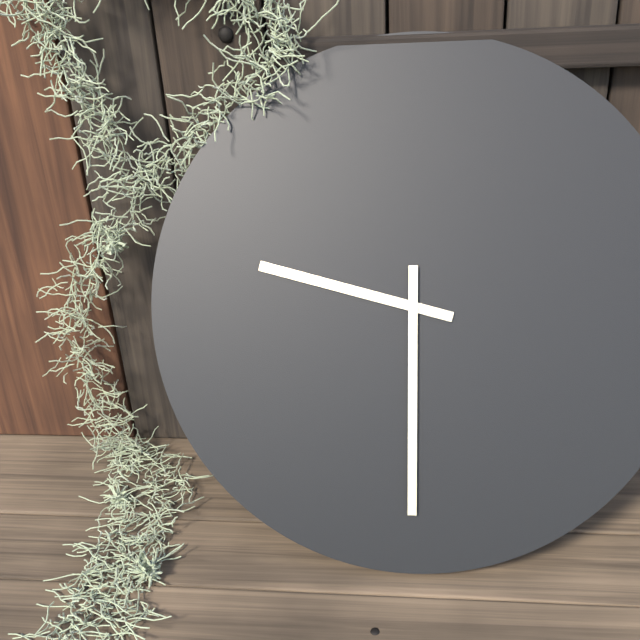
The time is 9h30
